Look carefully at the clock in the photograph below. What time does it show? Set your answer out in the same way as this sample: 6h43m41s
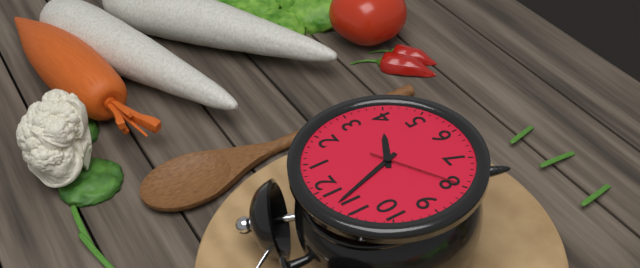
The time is 3h57m40s
